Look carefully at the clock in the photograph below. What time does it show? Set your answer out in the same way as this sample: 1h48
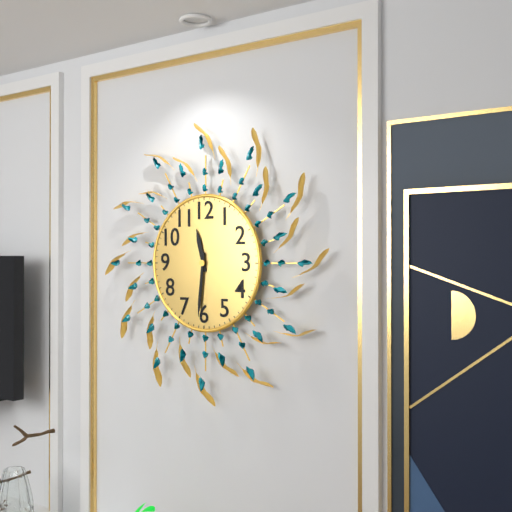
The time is 11h31
